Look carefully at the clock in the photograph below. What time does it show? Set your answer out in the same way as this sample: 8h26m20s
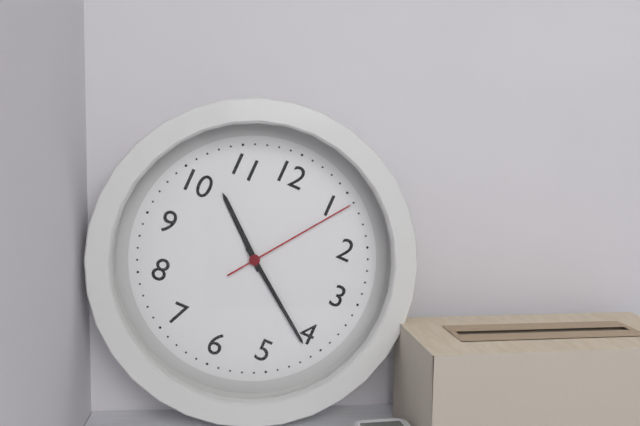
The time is 10h21m06s
